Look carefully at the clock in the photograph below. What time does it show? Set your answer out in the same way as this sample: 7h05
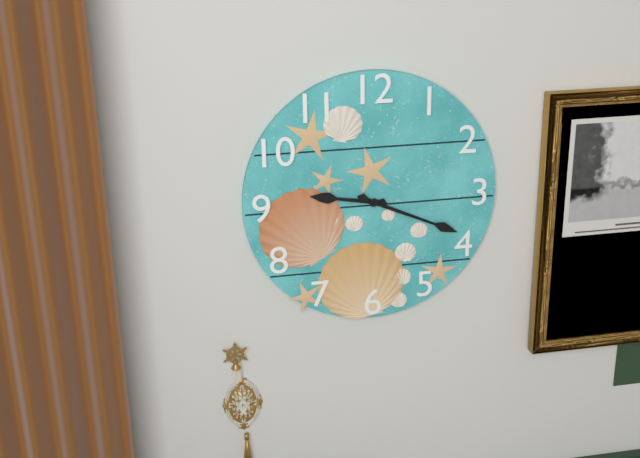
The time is 9h19
